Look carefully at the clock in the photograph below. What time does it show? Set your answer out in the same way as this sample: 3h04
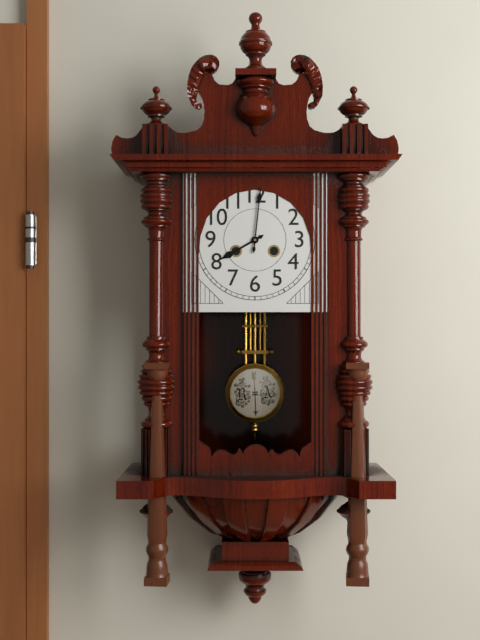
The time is 8h01
